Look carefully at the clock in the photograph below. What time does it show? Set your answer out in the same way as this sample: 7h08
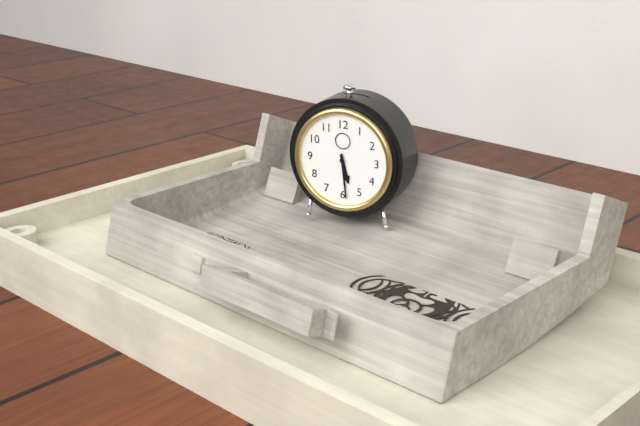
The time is 5h29
